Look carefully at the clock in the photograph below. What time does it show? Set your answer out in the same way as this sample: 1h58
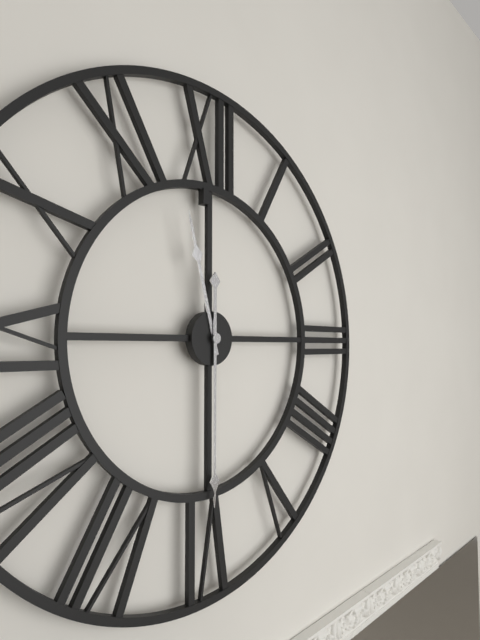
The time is 11h30
